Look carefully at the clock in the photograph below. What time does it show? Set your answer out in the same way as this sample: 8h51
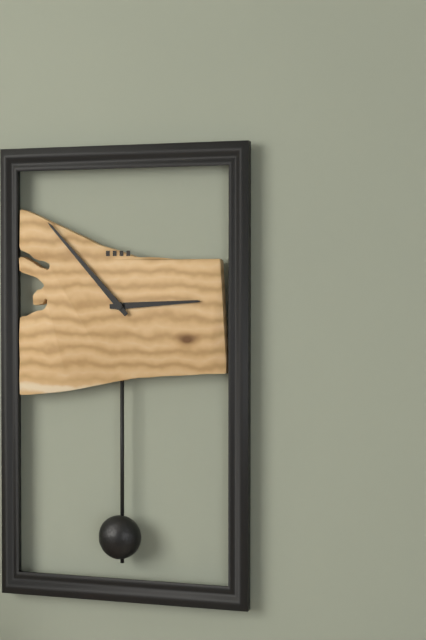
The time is 2h53
